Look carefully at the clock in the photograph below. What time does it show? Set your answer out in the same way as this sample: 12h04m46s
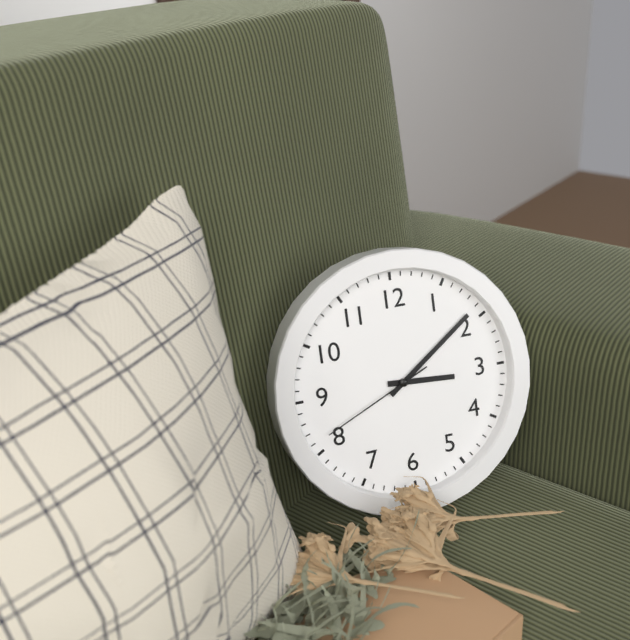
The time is 3h09m41s
